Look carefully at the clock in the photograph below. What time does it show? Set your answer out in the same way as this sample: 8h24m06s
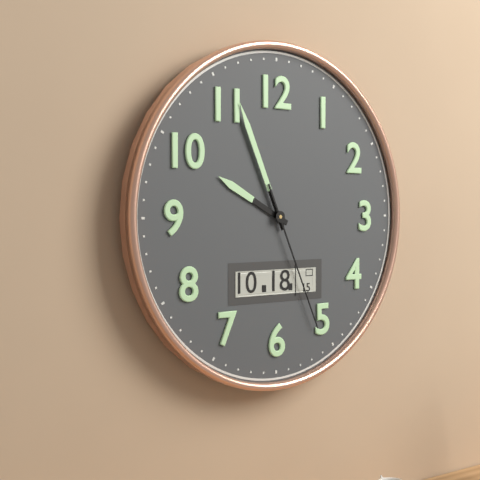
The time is 9h56m26s
